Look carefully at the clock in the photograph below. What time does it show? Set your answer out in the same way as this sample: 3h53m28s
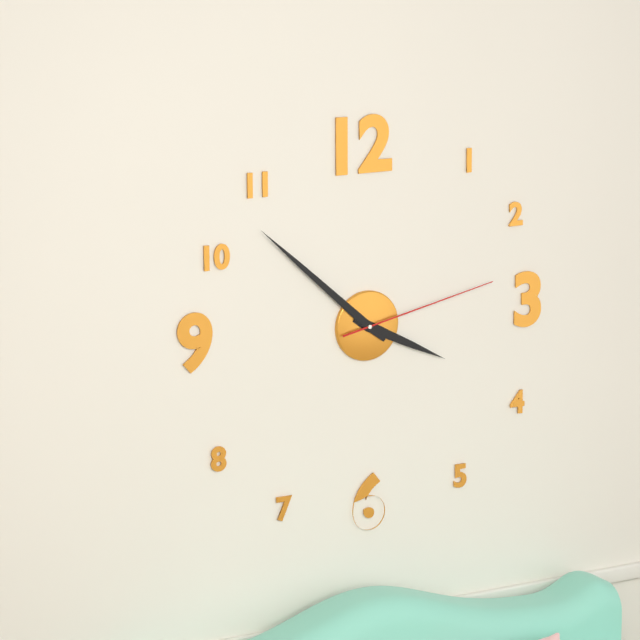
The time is 3h52m13s
